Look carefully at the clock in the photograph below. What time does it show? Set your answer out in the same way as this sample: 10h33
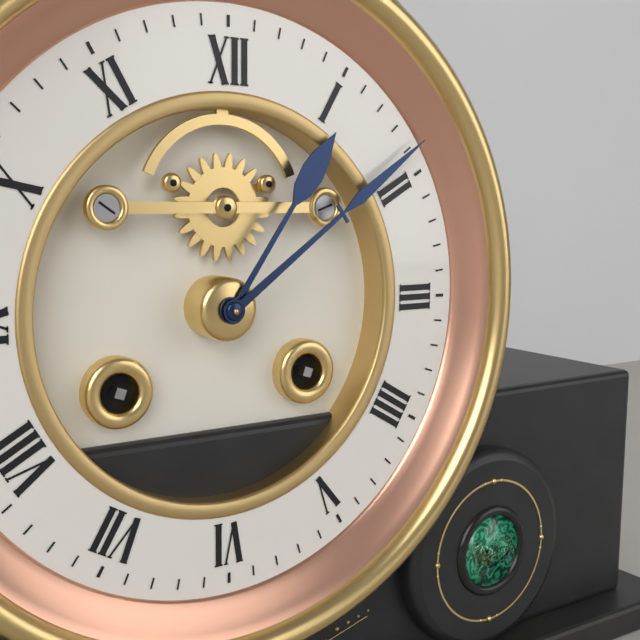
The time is 1h09
